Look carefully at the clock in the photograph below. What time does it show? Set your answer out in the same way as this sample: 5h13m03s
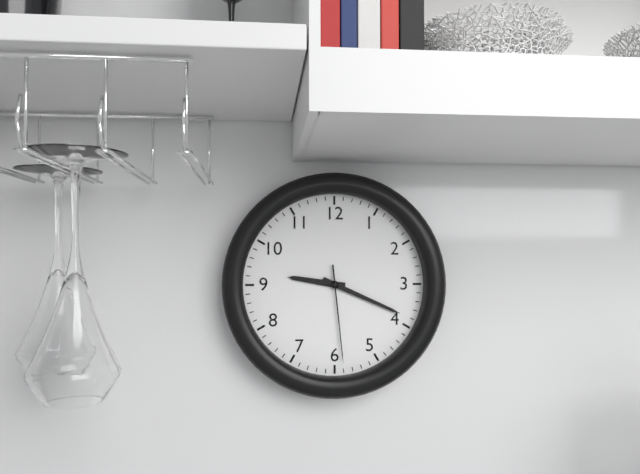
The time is 9h19m29s
